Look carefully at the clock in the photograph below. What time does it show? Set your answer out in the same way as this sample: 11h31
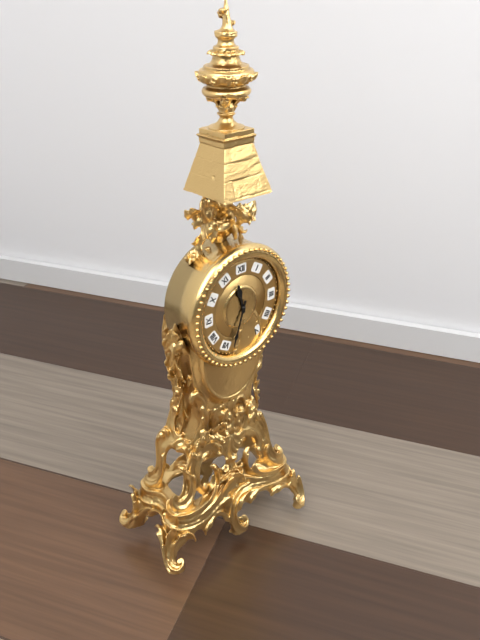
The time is 11h33
